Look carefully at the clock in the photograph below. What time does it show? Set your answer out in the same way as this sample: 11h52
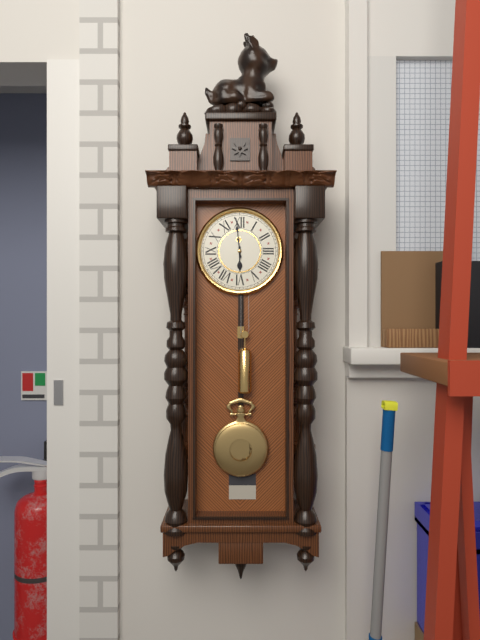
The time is 5h59
